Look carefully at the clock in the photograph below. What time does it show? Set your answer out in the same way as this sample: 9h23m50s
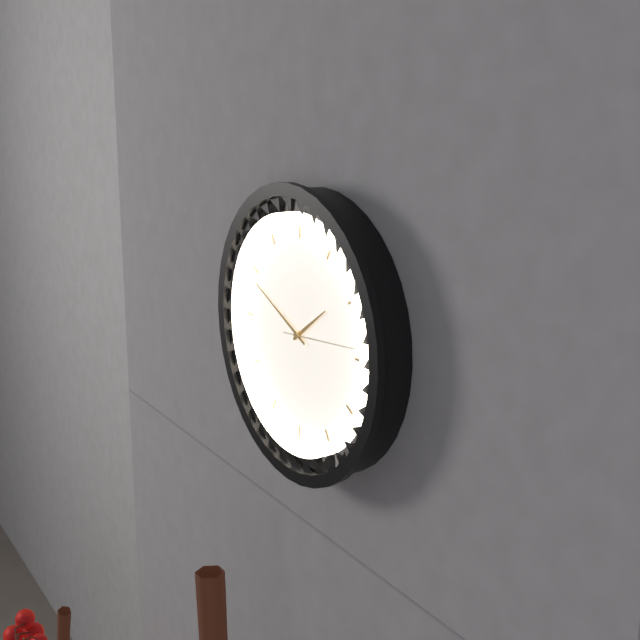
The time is 1h49m14s
